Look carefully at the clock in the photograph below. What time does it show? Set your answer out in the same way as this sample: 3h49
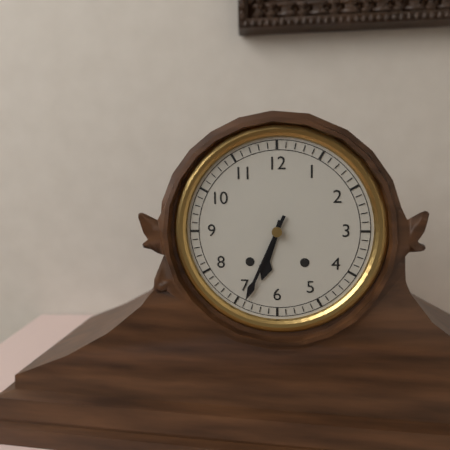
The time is 6h34
